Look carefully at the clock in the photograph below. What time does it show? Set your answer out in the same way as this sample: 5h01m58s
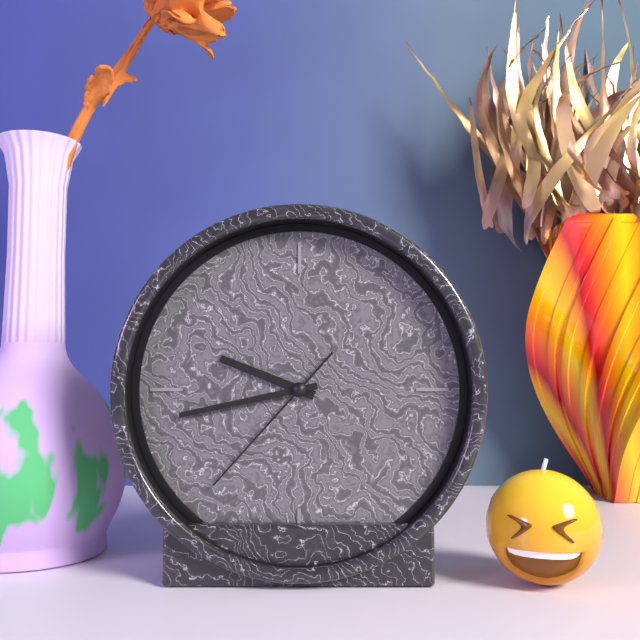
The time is 9h43m37s
